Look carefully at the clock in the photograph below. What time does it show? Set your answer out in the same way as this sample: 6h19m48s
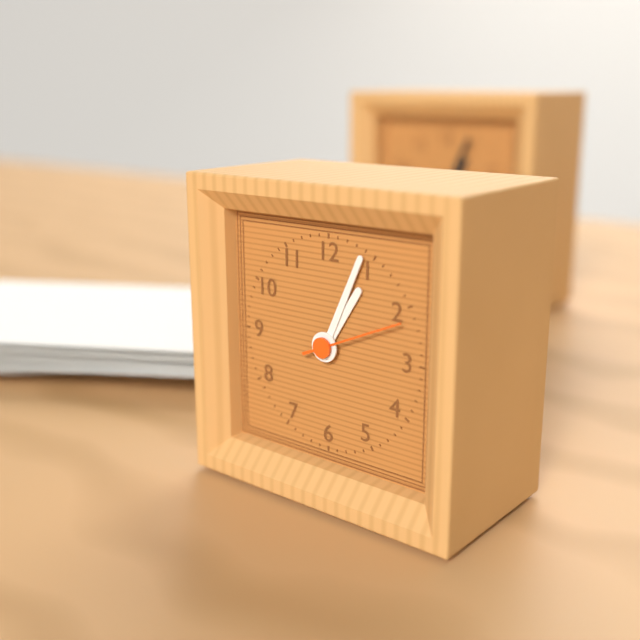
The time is 1h04m11s
